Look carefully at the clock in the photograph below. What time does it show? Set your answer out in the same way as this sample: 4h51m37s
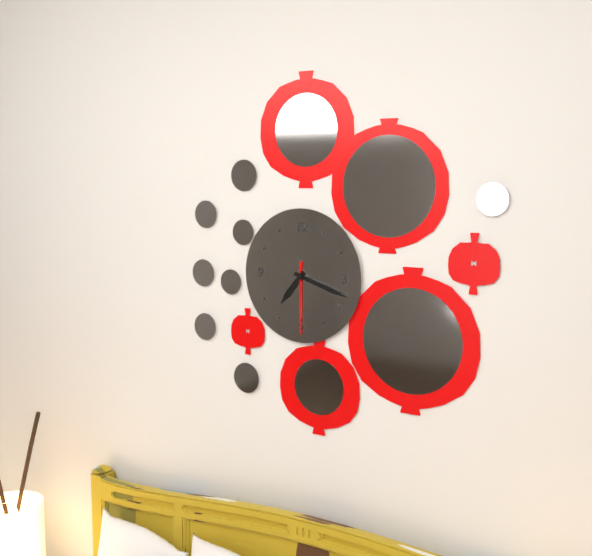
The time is 7h18m30s
